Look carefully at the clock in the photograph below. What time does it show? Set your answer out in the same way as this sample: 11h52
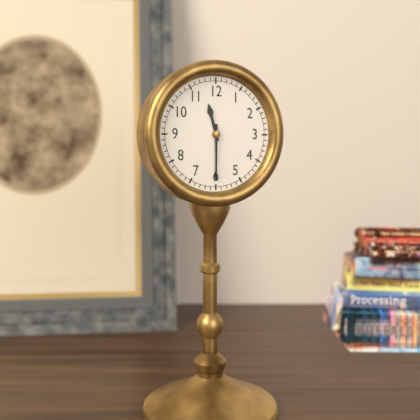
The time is 11h30
